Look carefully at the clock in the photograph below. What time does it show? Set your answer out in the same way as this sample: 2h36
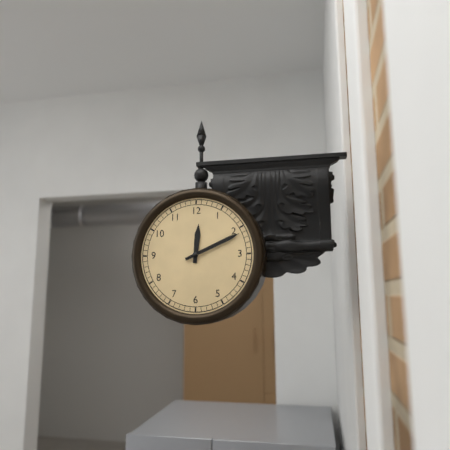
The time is 12h11
